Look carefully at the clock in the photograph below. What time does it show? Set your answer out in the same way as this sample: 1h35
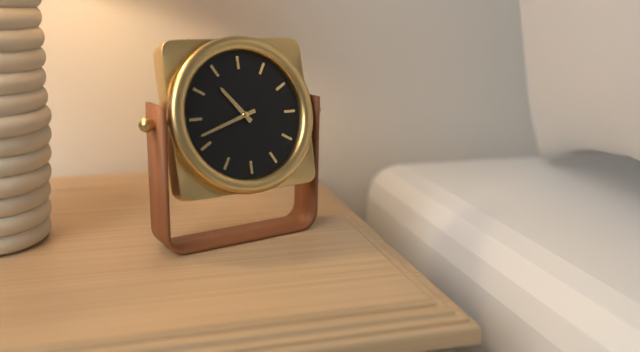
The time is 10h42
